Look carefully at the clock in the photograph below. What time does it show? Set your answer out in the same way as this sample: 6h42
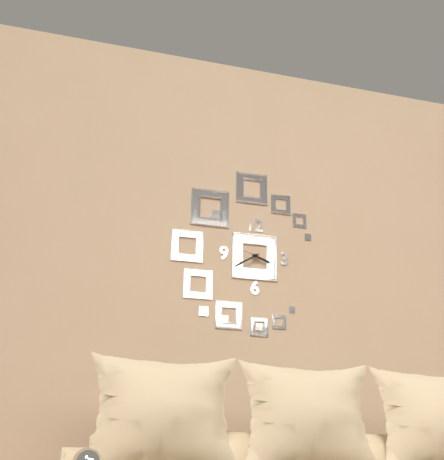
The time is 3h40
